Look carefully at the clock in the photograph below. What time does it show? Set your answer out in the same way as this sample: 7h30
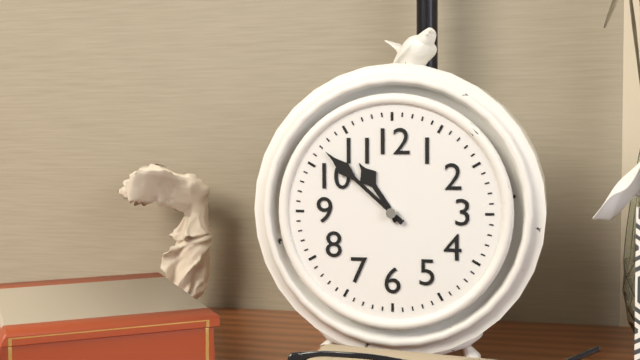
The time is 10h52
